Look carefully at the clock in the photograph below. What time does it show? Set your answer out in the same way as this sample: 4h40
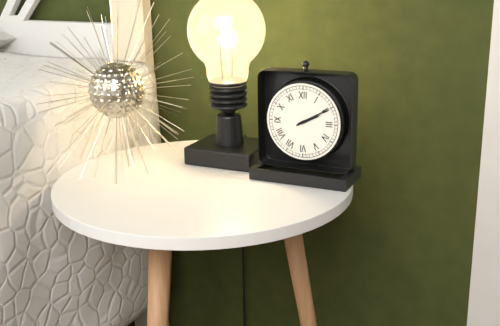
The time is 2h10
